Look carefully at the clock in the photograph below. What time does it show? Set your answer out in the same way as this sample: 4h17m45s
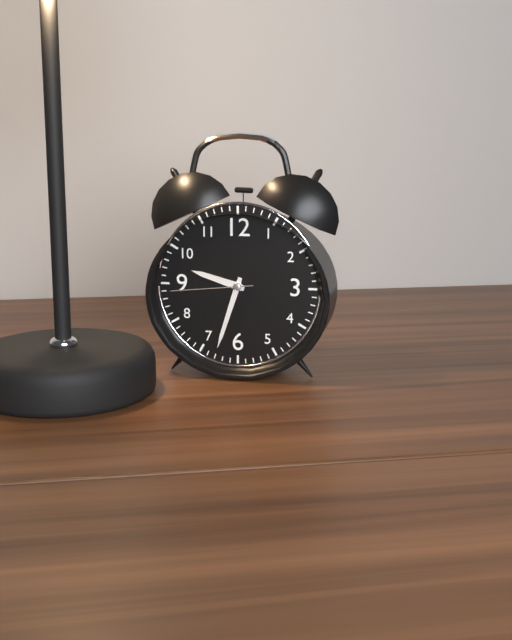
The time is 9h33m44s
